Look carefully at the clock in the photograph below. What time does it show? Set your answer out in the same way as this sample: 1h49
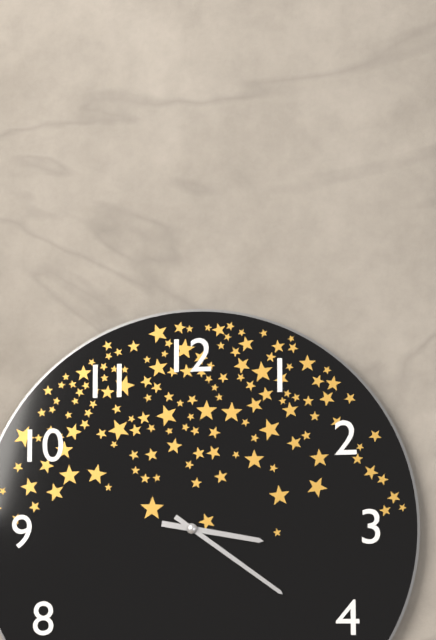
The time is 3h21
